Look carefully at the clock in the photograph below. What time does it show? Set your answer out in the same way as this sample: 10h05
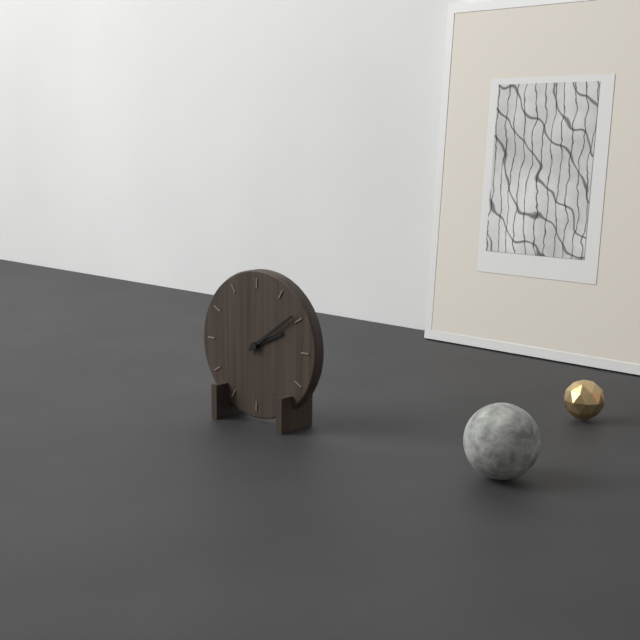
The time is 2h09
